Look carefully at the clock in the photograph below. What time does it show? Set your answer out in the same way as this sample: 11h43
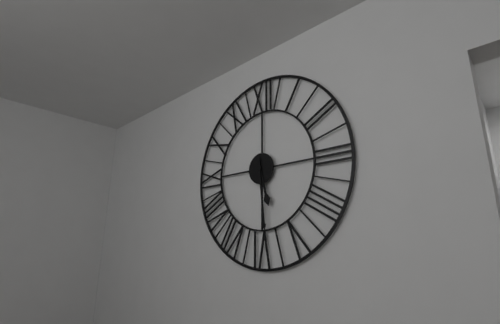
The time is 5h29
